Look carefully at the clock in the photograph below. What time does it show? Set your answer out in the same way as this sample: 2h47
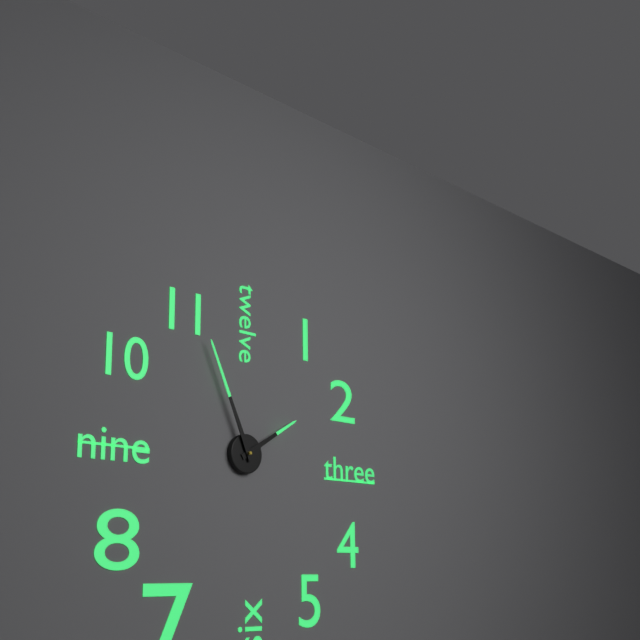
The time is 1h56
